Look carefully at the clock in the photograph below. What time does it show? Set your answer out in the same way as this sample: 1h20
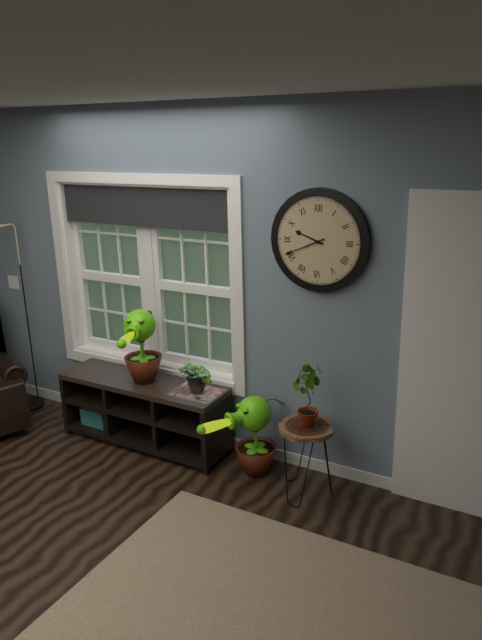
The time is 9h41
